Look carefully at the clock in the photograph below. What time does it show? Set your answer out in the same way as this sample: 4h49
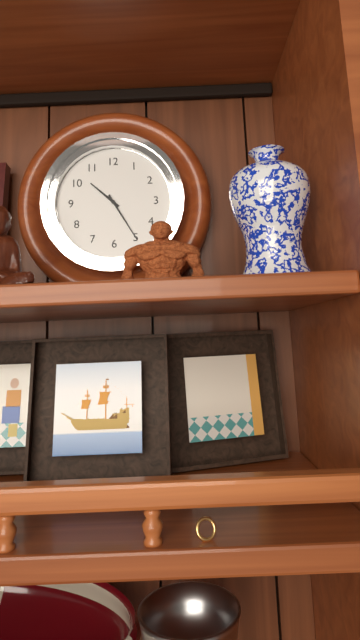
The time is 10h25
